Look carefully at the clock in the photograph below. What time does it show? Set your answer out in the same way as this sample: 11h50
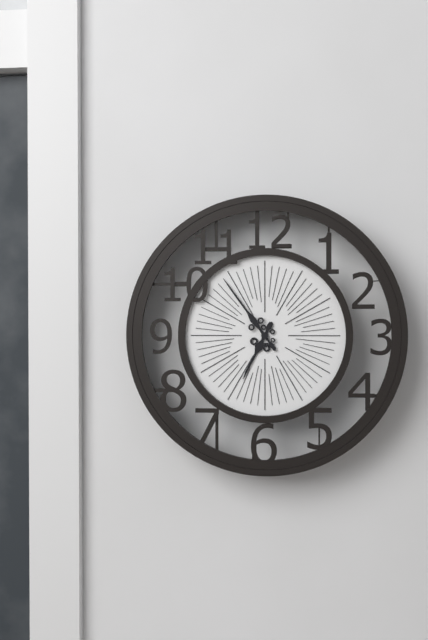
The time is 6h54
